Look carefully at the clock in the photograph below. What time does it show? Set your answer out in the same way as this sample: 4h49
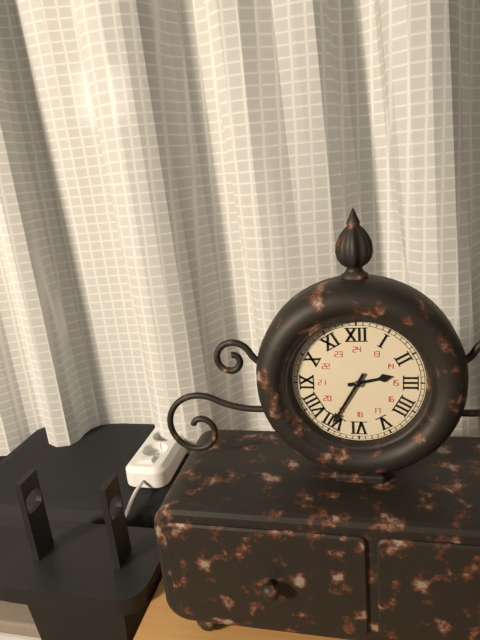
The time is 2h35
